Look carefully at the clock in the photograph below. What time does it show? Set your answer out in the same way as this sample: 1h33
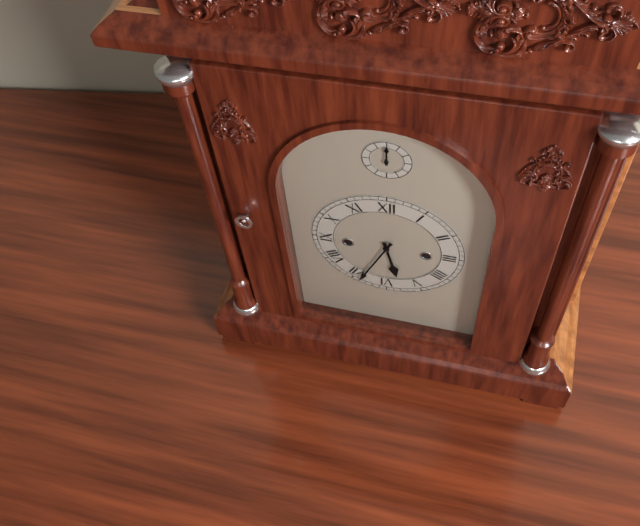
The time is 5h34
